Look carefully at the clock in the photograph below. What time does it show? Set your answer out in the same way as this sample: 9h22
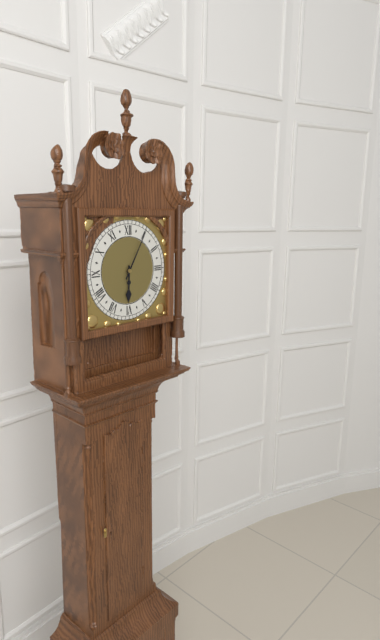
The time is 6h05
